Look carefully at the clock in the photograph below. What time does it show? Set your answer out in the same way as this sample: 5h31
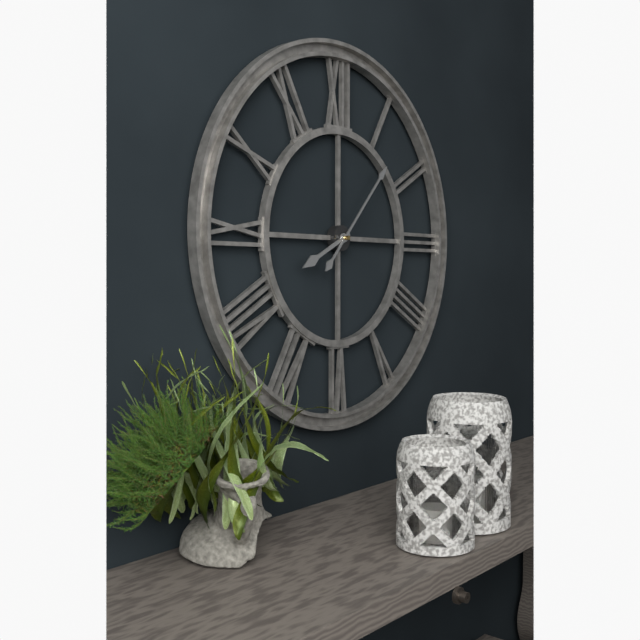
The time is 8h07
